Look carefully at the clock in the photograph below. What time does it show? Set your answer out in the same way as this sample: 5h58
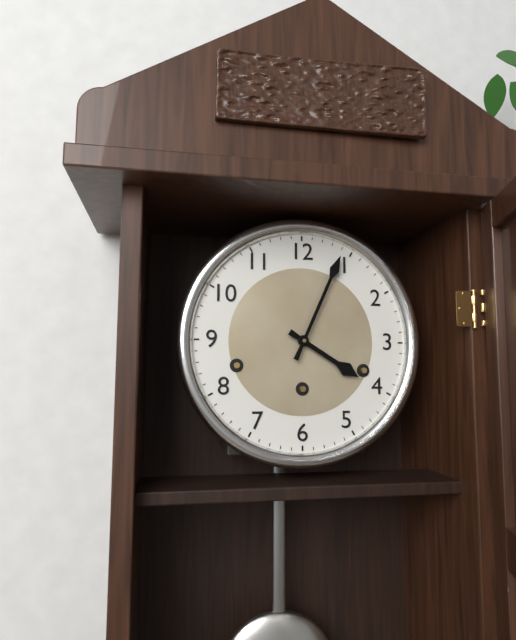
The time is 4h04
